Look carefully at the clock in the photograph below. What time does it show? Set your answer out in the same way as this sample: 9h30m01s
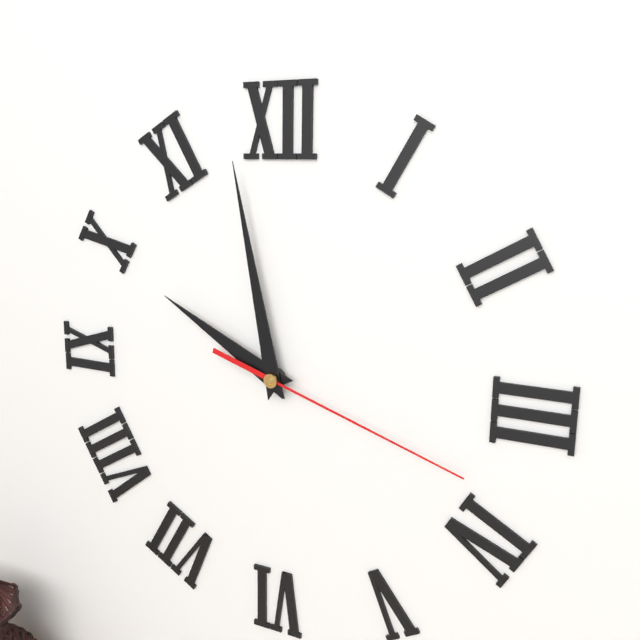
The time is 9h58m18s
